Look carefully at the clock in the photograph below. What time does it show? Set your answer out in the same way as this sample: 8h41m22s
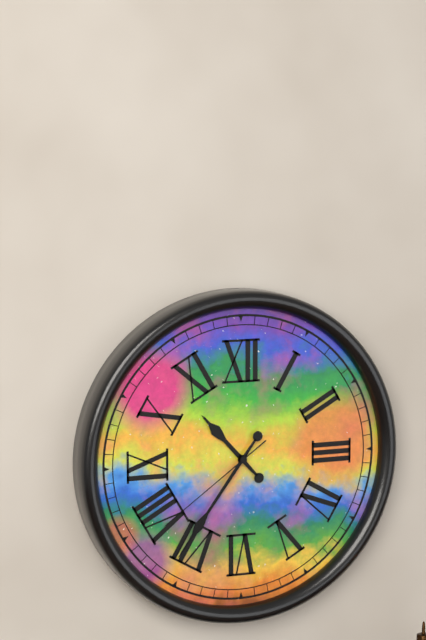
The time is 10h36m39s
